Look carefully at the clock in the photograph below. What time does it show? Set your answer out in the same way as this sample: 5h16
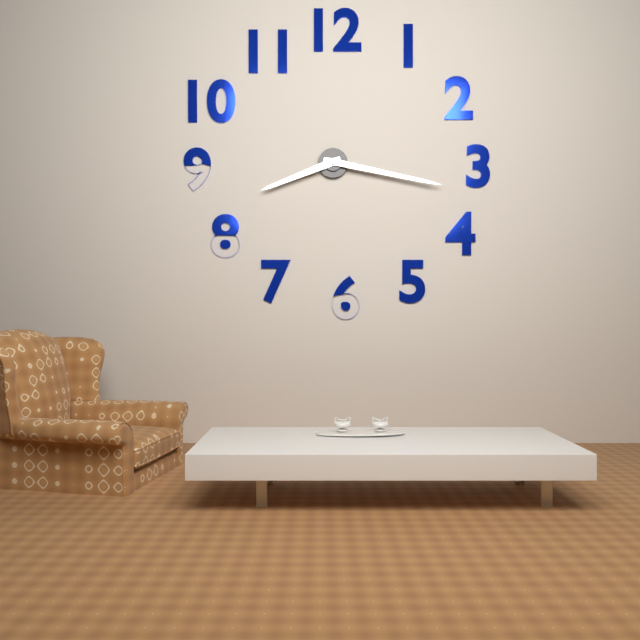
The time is 8h17
